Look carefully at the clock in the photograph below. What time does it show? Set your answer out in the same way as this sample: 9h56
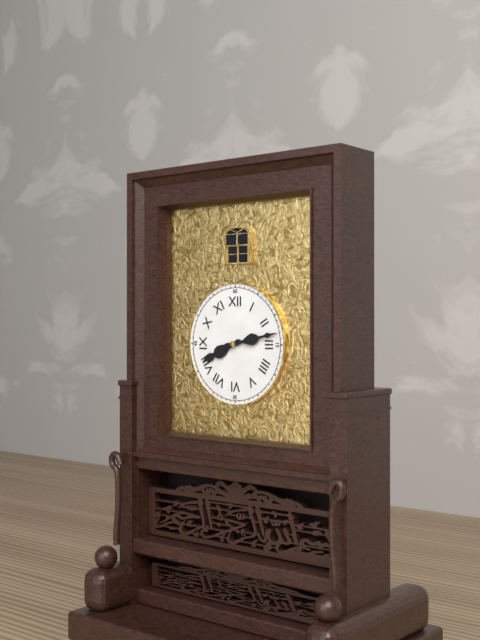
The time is 8h13
